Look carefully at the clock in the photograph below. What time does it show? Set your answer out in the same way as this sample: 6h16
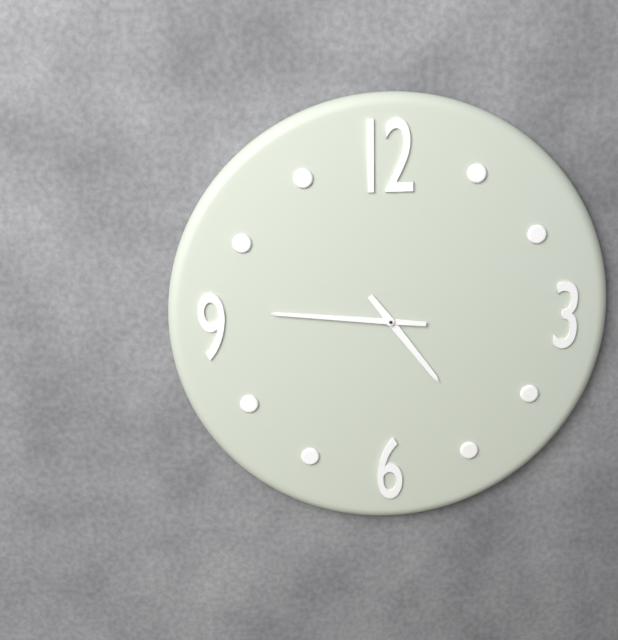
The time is 4h46
